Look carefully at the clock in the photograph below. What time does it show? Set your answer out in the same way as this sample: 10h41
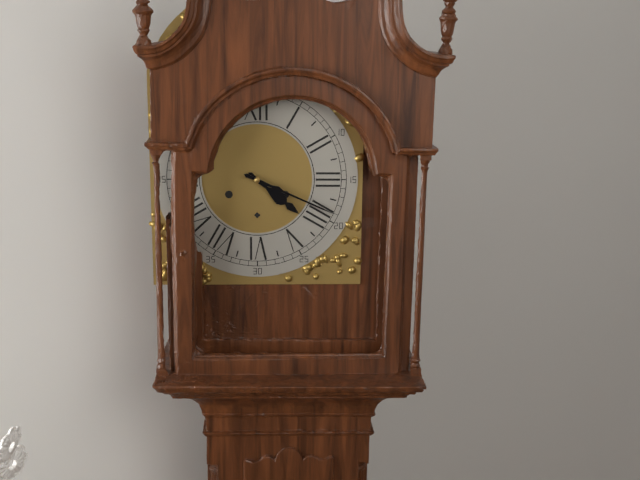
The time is 4h19
